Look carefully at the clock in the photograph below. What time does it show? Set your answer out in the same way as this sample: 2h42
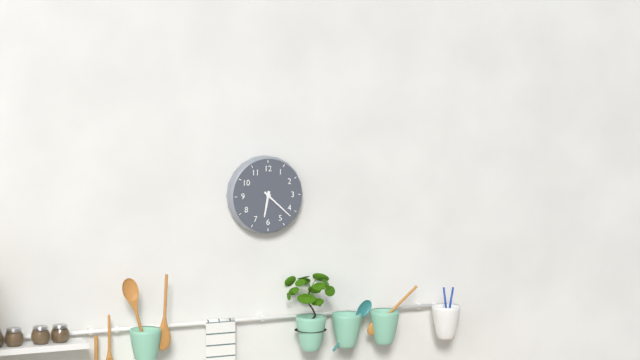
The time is 6h22
